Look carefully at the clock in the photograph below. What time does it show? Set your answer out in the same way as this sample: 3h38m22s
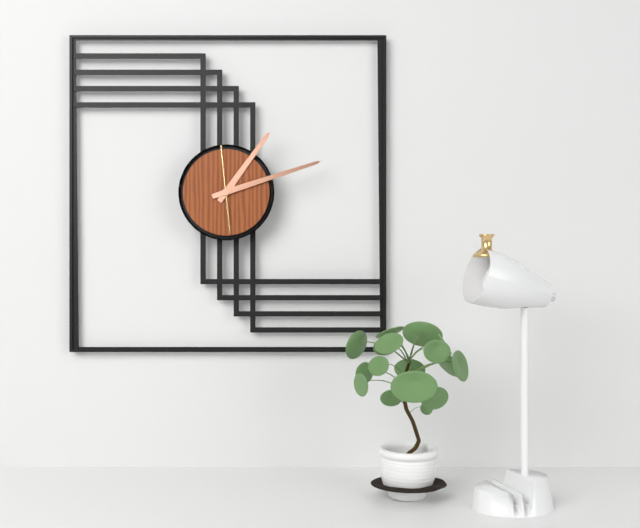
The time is 1h12m59s
